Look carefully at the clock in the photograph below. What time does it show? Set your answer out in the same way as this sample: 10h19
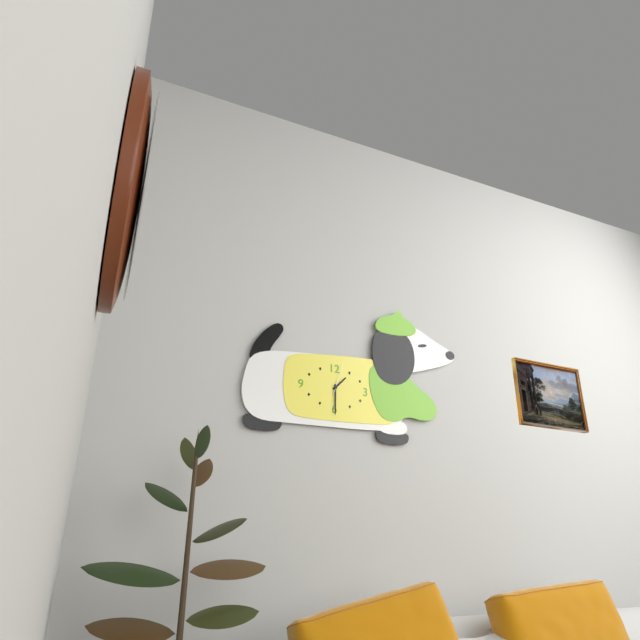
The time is 1h30
